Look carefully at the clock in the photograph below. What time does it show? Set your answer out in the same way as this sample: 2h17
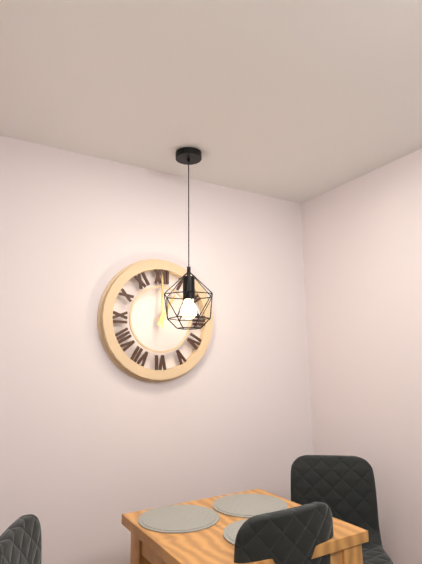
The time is 1h00
